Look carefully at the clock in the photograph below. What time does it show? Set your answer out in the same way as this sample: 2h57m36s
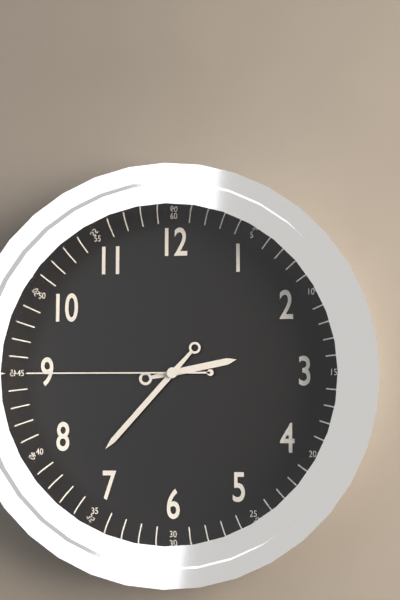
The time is 2h37m45s
